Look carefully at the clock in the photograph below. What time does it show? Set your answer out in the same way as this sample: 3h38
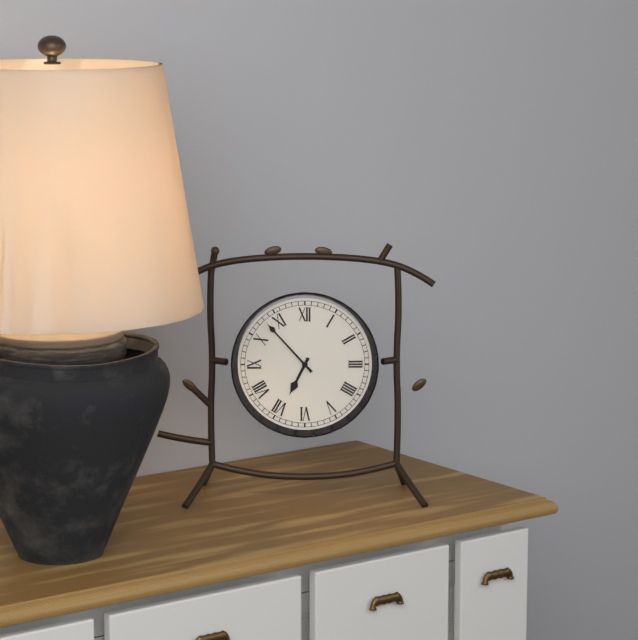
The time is 6h53
